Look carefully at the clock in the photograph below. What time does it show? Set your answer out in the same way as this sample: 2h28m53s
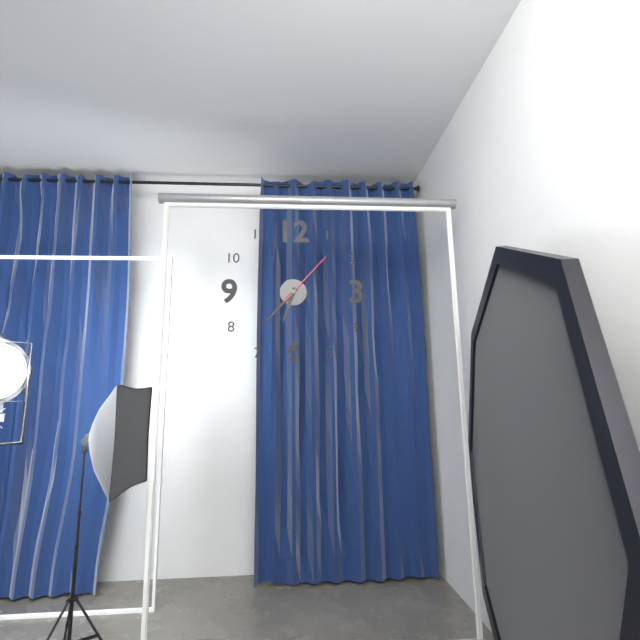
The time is 6h37m07s
